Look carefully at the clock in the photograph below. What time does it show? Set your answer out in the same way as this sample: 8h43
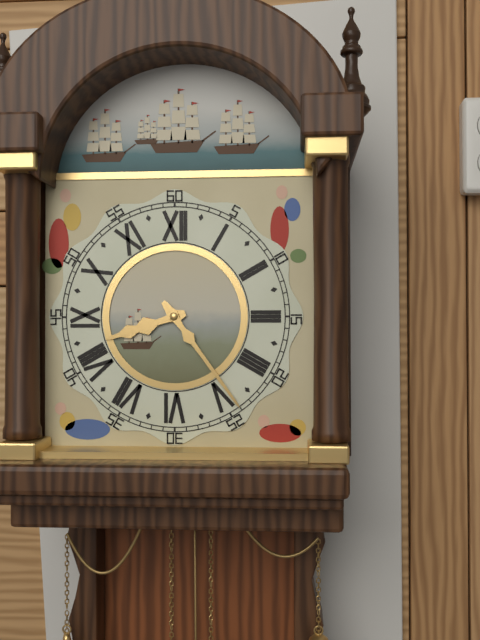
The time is 8h24
